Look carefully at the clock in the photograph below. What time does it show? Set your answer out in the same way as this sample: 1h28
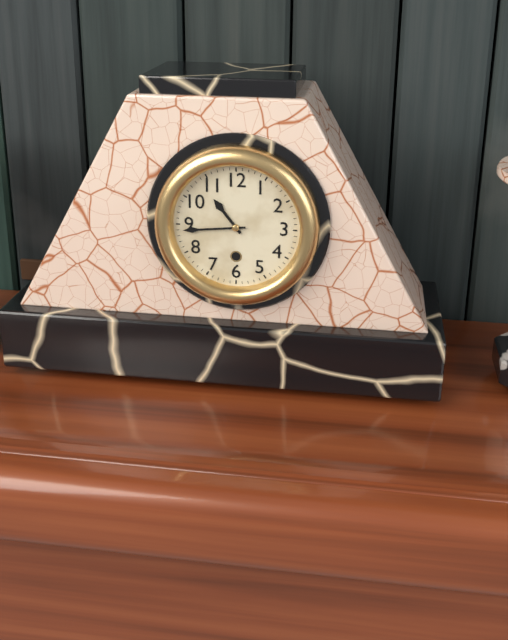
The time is 10h44
